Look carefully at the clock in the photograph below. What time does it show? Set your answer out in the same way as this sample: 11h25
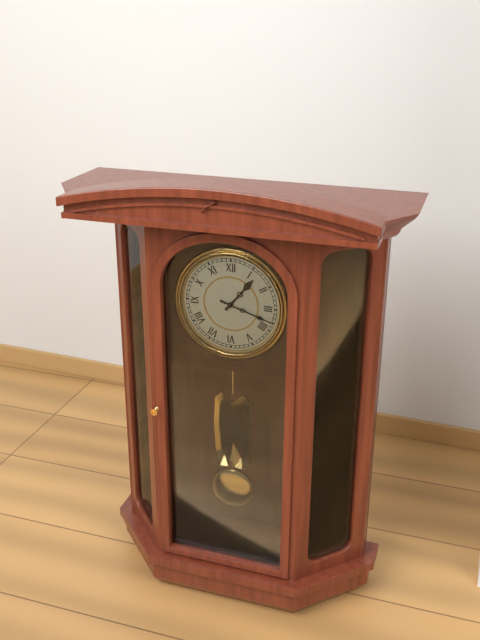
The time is 1h18
